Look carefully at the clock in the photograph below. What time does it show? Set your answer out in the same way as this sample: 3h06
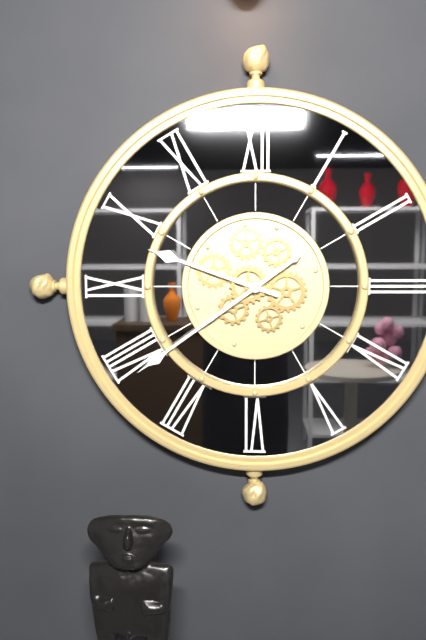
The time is 9h39
